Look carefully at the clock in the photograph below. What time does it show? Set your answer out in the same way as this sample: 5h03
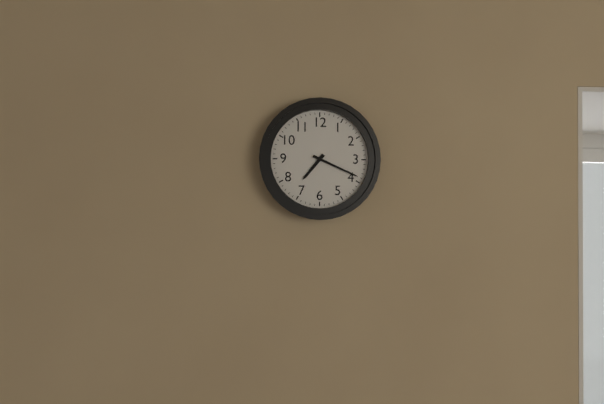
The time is 7h19
